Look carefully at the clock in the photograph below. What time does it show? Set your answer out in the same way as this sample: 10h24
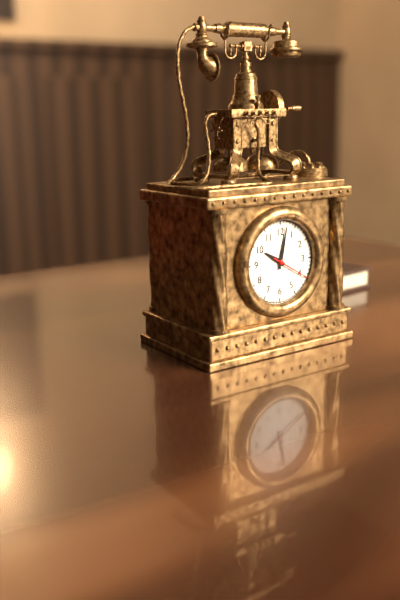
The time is 10h02
